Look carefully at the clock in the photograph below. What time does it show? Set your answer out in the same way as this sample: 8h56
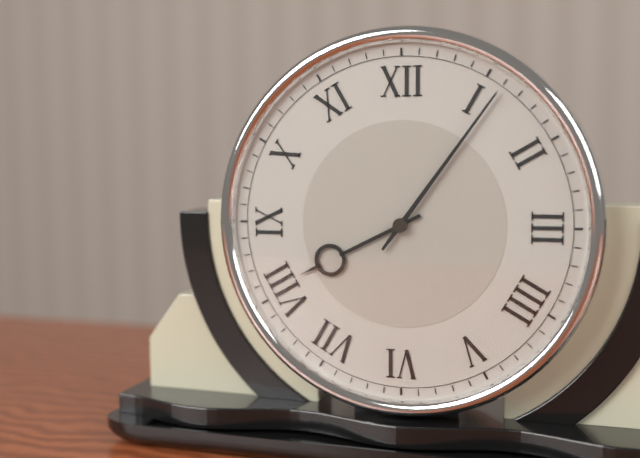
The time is 8h06
